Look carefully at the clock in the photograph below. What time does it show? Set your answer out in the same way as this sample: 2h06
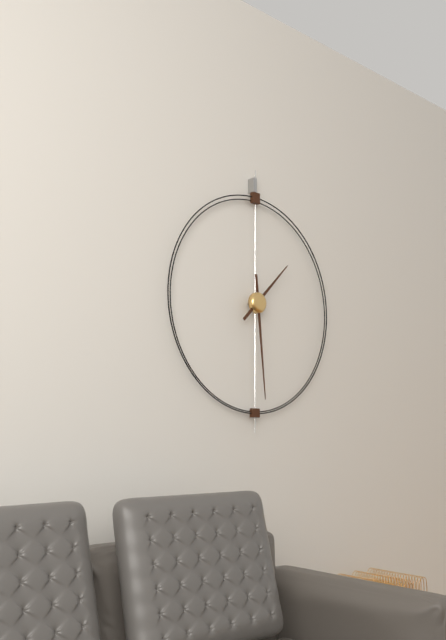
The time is 1h29
